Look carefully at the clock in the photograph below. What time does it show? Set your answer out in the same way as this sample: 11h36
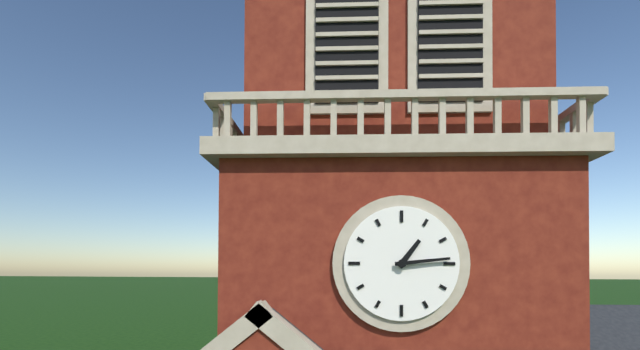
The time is 1h14
